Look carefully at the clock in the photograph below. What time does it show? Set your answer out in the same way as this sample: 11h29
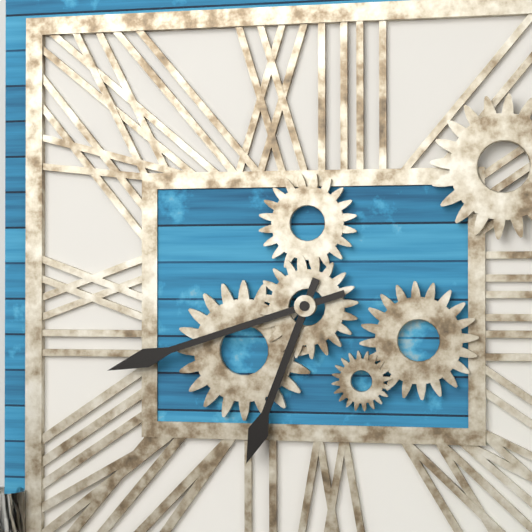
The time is 6h42
